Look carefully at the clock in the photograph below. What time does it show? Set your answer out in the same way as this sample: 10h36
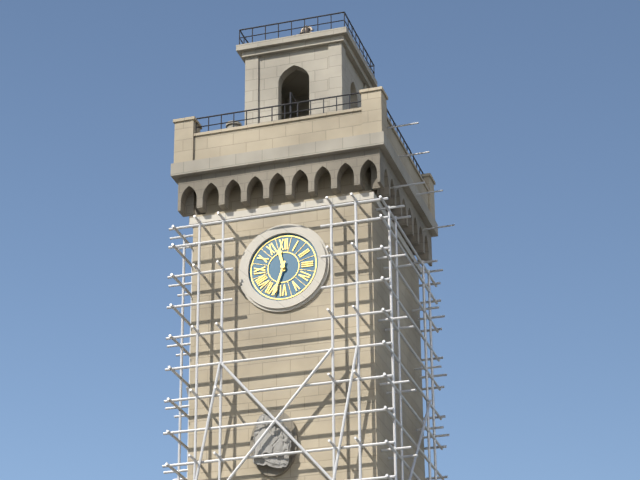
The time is 11h33
